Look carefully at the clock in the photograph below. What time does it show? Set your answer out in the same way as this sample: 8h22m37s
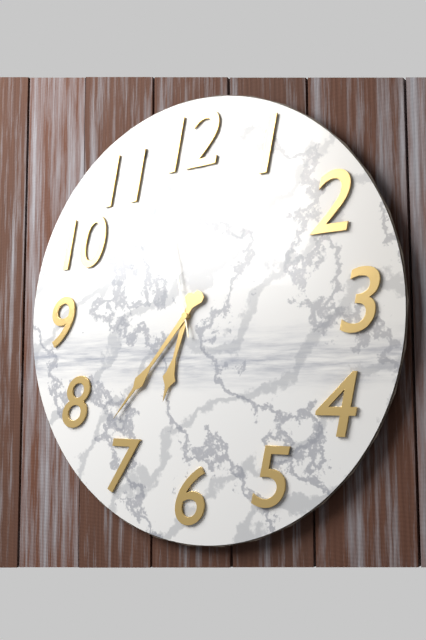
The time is 6h37m58s
